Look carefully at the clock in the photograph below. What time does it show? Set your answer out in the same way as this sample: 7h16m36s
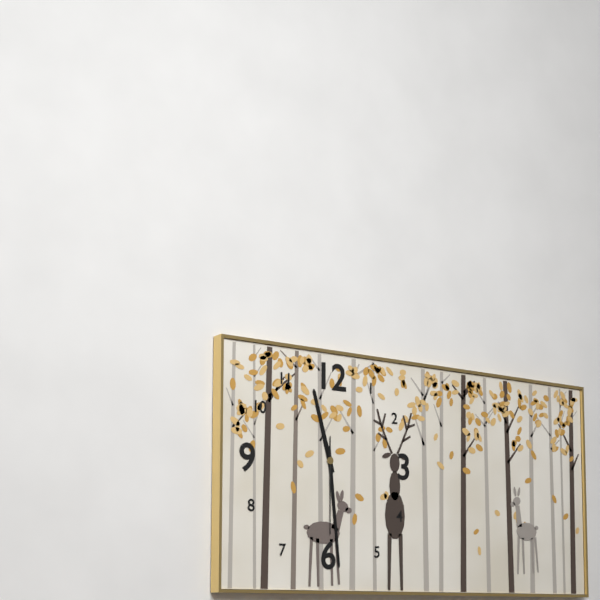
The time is 11h29m30s
